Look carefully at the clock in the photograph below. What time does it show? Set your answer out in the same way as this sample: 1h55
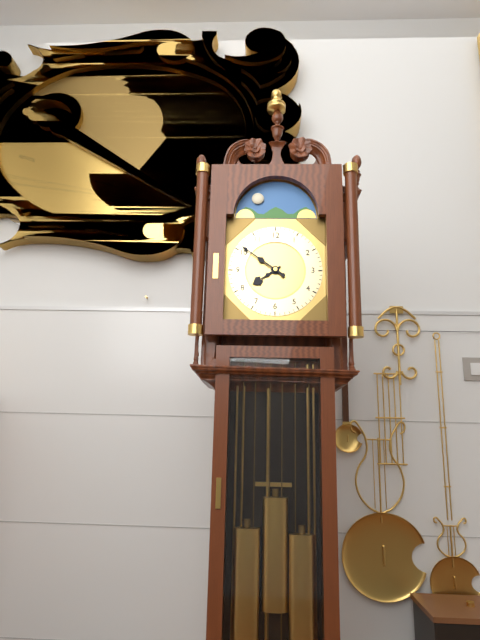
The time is 7h51
